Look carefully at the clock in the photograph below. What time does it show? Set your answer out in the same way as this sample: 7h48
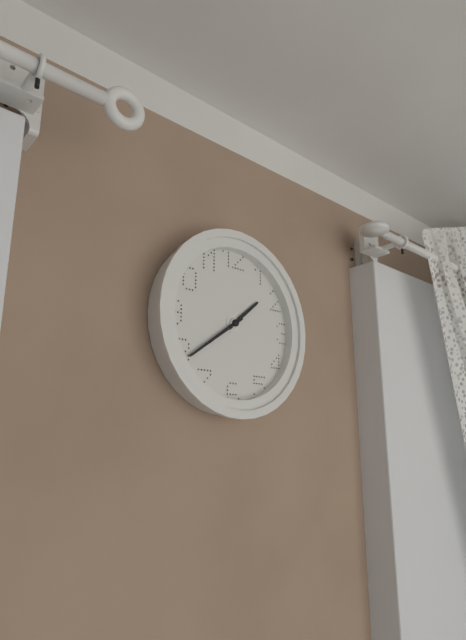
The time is 1h39
